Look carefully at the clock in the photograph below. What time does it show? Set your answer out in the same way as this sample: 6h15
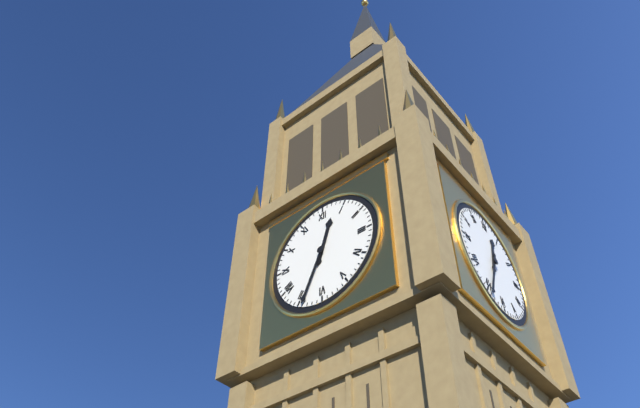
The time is 12h34
